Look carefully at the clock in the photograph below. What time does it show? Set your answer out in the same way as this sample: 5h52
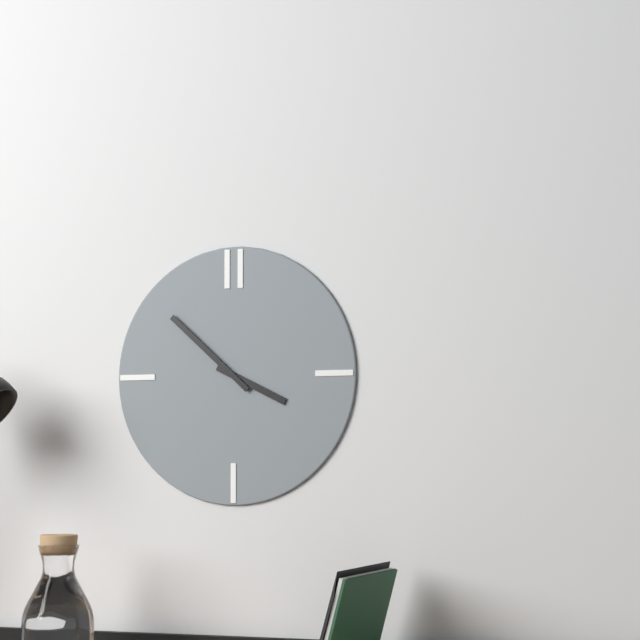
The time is 3h52
